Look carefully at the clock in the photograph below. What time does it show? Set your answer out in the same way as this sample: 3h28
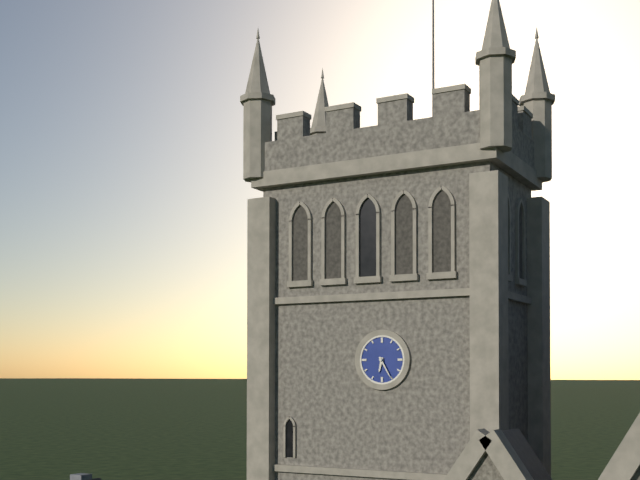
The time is 6h25
